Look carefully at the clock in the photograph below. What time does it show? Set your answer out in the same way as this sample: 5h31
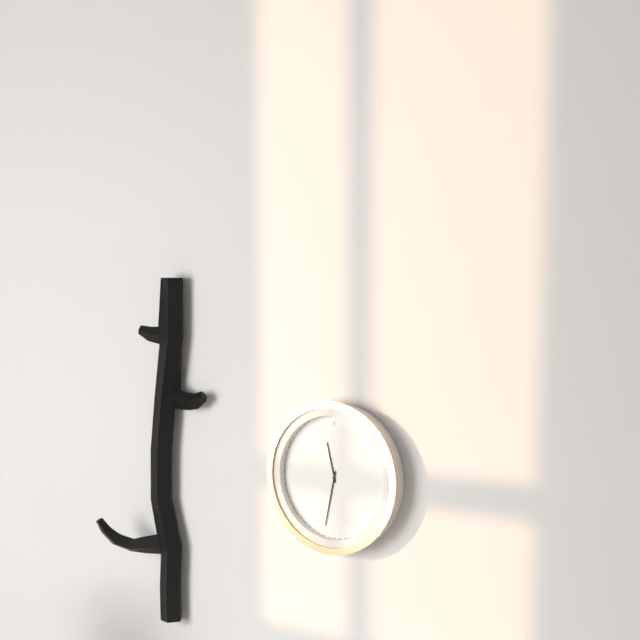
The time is 11h32
